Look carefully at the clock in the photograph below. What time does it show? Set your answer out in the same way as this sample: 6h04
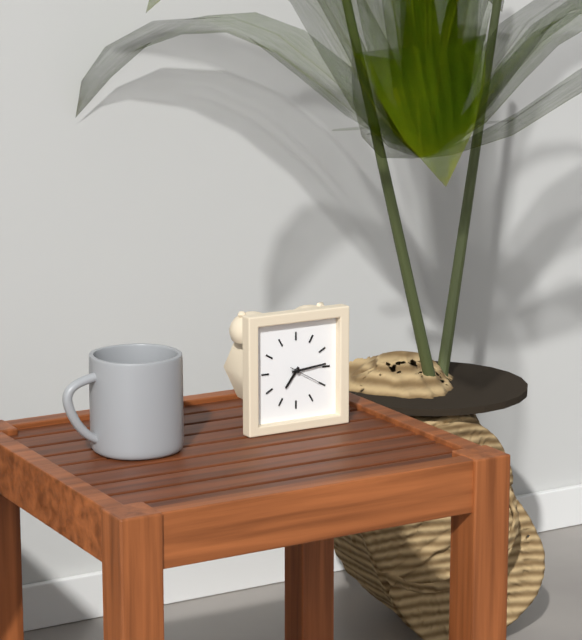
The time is 7h14
